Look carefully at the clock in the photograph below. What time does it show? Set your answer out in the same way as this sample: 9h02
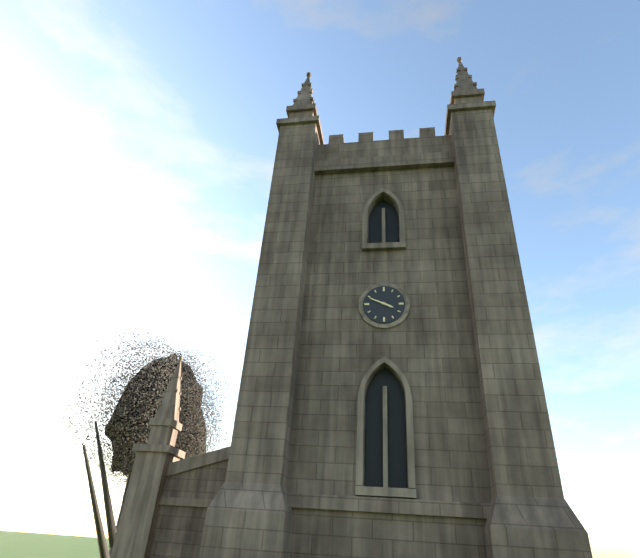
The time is 3h49
